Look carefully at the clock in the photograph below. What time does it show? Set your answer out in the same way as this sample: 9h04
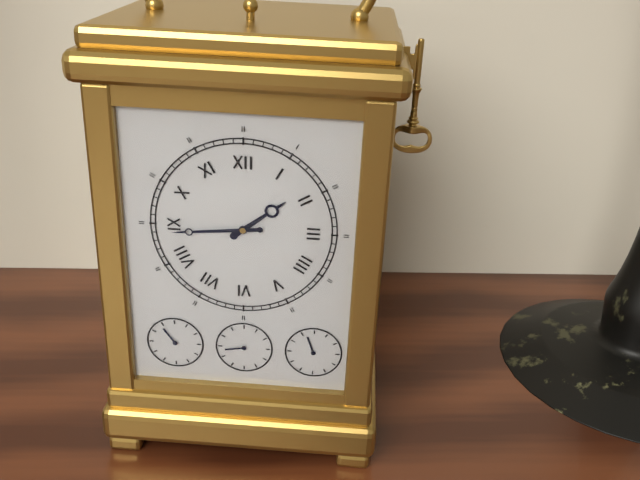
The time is 1h44
